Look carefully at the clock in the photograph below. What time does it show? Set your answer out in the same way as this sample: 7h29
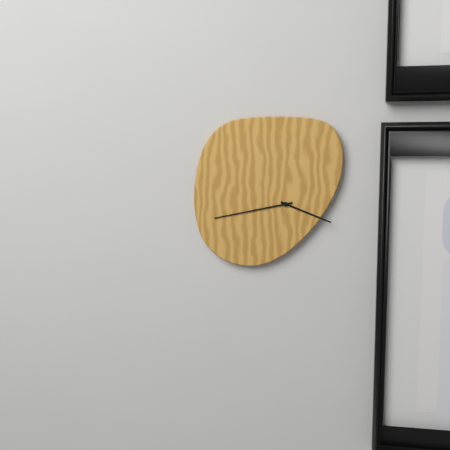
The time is 3h43
